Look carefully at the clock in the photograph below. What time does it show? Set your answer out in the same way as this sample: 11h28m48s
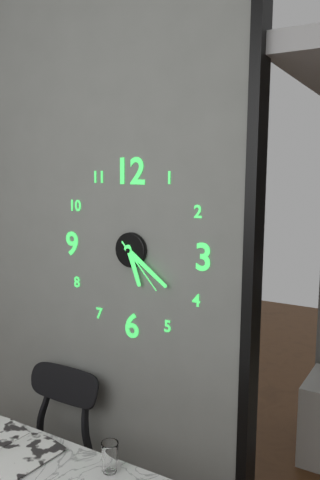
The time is 5h21m23s
